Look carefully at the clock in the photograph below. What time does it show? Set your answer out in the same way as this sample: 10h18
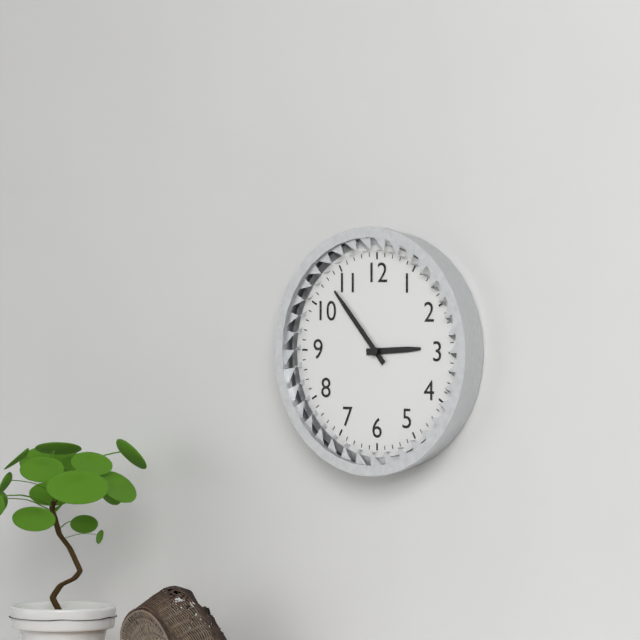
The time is 2h53
